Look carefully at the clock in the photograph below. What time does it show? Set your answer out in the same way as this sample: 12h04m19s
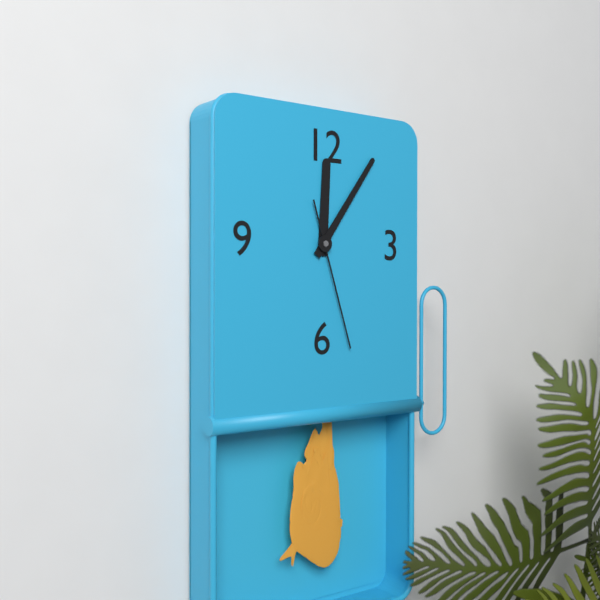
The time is 12h06m27s
